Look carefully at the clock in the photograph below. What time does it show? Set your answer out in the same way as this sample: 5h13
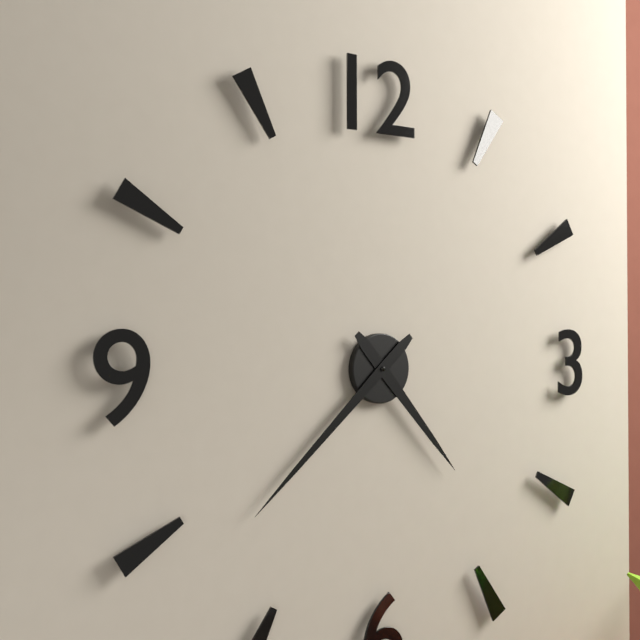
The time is 4h38
